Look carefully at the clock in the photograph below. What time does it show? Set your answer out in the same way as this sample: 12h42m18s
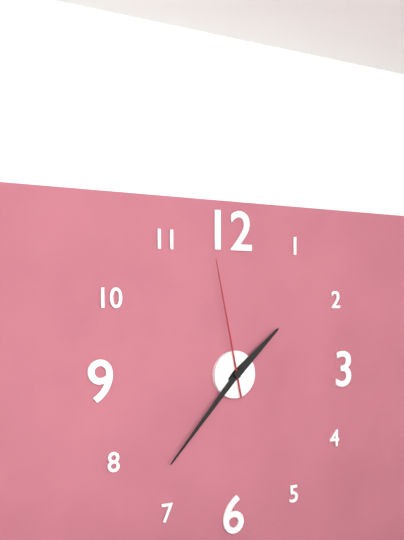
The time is 1h37m58s
